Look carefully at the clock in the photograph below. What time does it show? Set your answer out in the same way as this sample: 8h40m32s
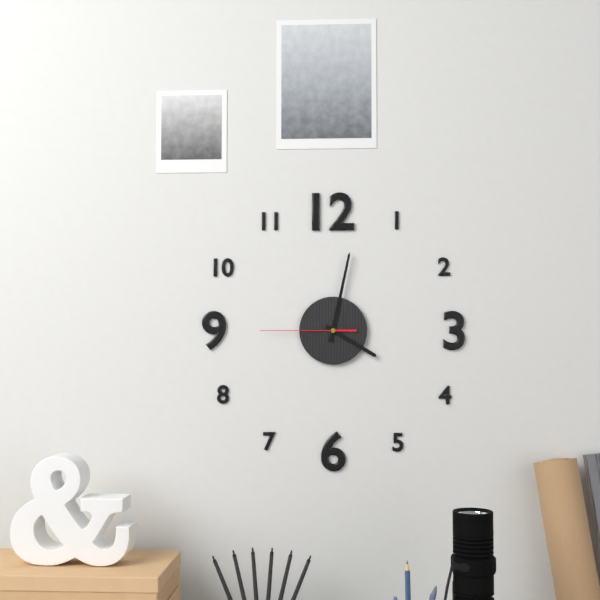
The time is 4h02m45s
